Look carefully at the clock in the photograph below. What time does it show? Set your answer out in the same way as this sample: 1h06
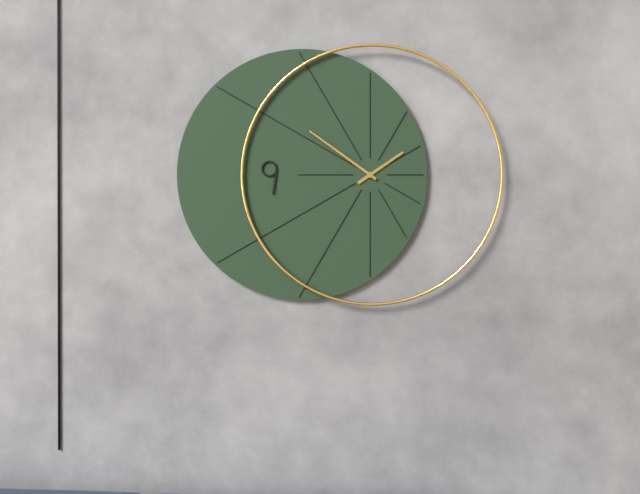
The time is 1h51
